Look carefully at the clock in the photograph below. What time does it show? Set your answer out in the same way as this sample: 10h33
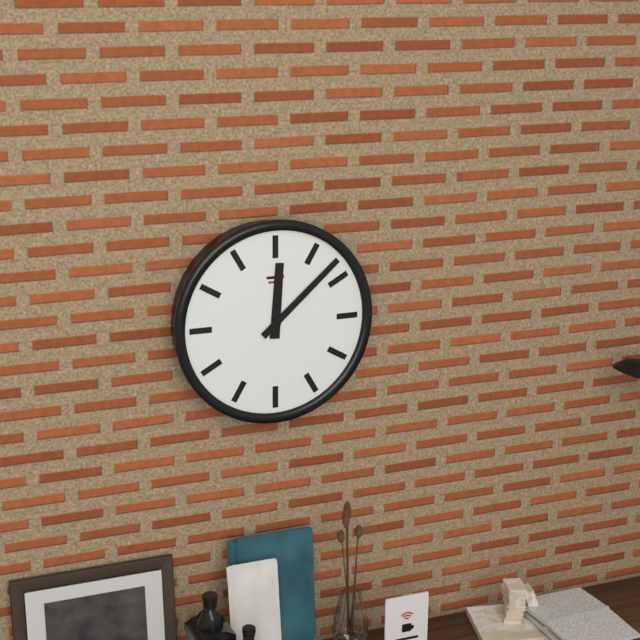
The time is 12h08
